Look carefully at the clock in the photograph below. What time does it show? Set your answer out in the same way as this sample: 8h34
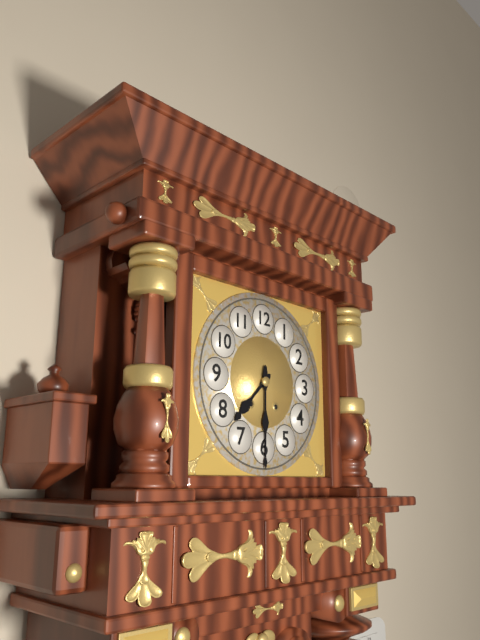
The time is 7h30
